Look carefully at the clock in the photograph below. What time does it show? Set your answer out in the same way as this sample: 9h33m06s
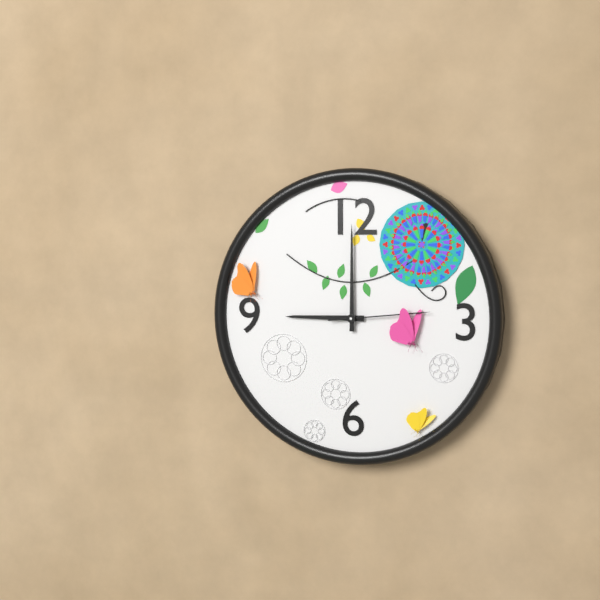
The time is 9h00m14s
